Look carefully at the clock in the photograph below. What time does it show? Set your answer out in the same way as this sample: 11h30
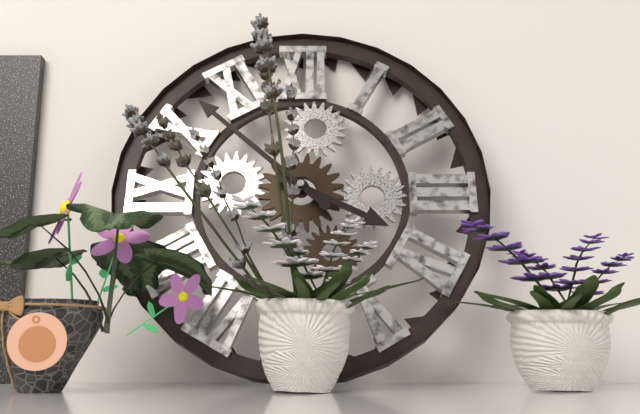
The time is 3h52
